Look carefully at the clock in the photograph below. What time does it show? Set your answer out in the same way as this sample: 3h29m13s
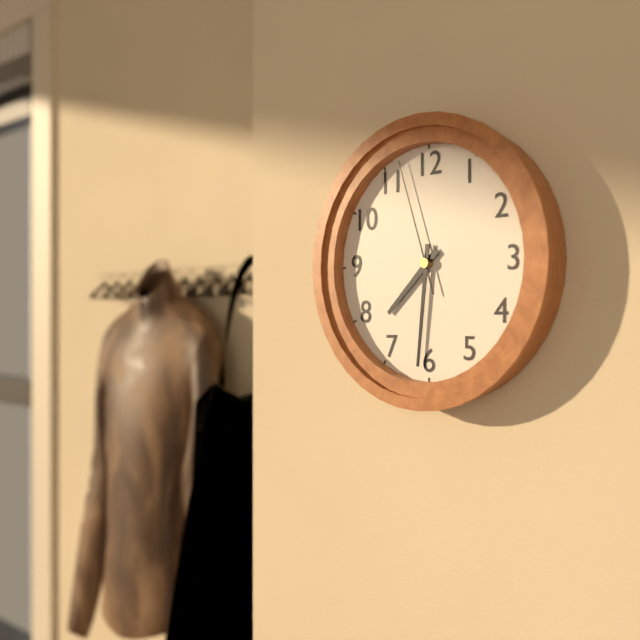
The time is 7h31m57s
